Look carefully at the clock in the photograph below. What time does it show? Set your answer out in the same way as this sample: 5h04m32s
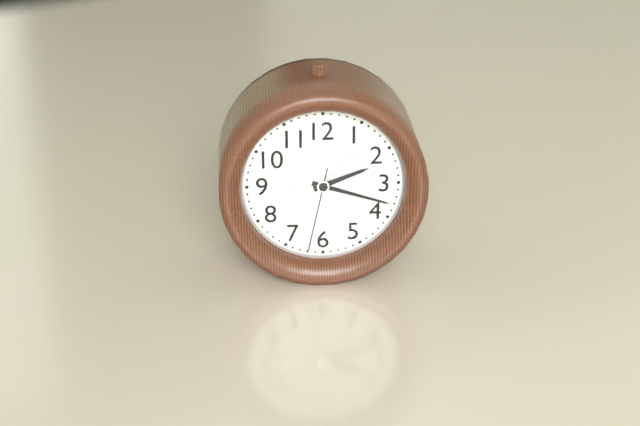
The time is 2h18m32s
